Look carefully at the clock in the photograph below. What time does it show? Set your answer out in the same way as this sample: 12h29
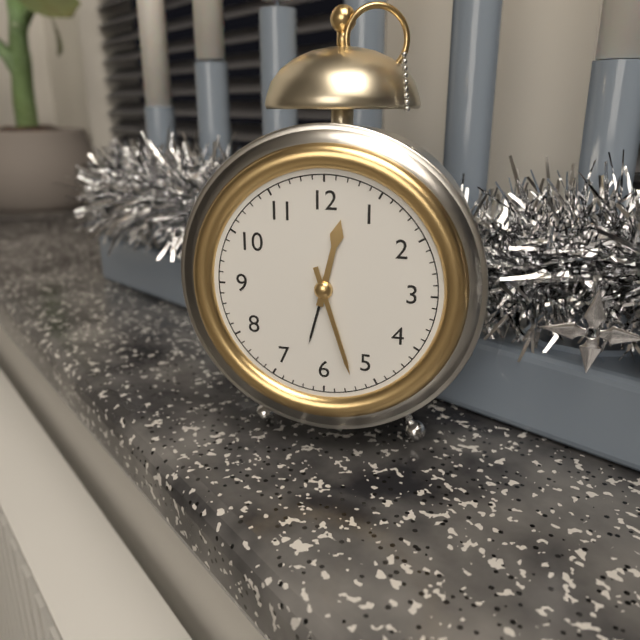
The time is 12h27
